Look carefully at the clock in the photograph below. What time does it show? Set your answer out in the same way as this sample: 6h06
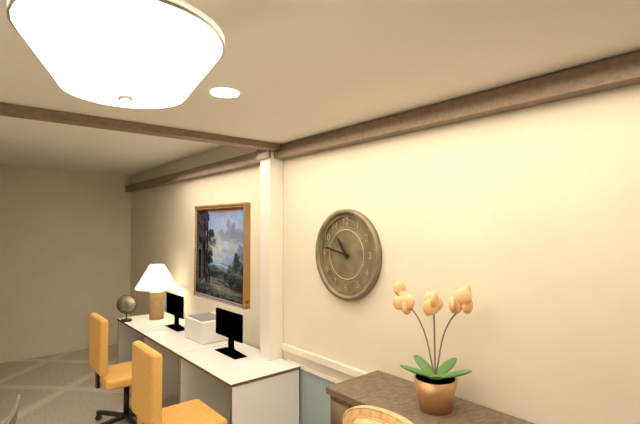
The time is 10h47
